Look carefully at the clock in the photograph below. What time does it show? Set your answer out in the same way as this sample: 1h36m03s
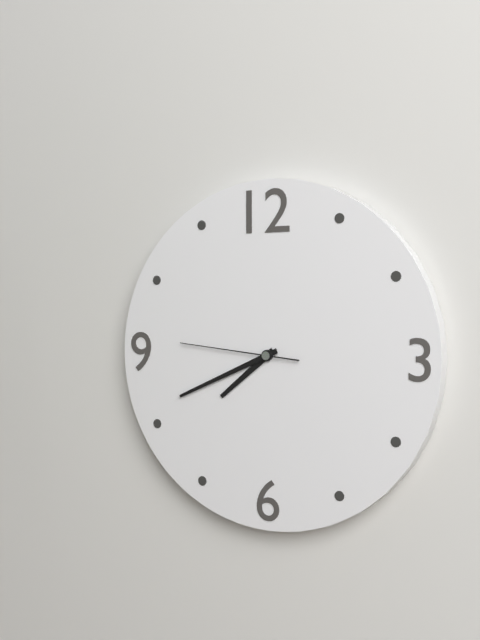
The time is 7h41m46s
